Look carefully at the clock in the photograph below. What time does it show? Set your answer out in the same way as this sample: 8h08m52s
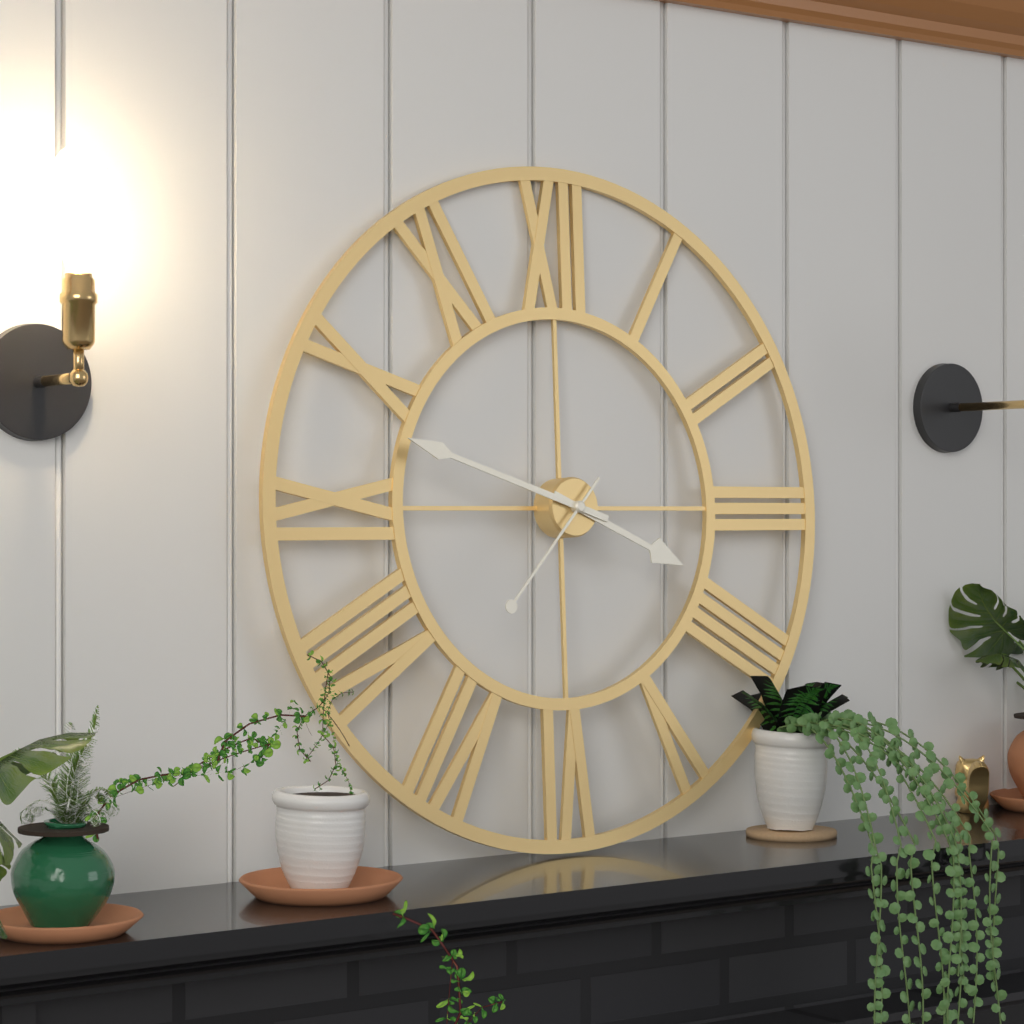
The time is 3h48m37s
